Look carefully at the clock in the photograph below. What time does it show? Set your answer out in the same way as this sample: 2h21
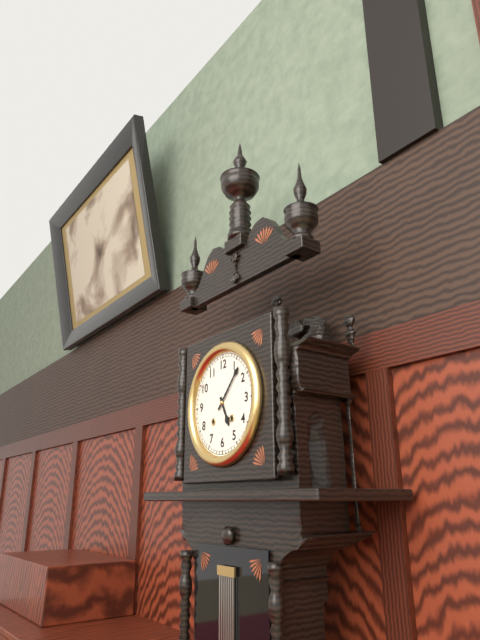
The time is 5h07
